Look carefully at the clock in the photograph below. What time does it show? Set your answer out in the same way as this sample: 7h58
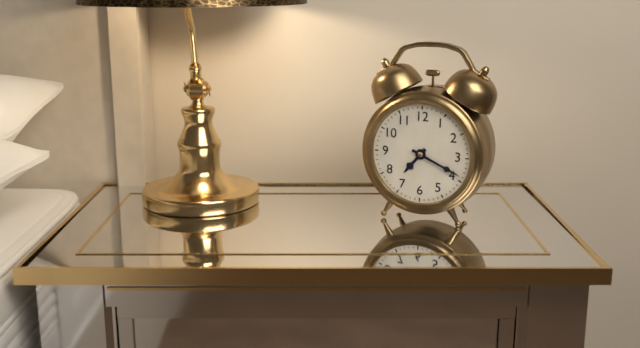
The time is 7h19
